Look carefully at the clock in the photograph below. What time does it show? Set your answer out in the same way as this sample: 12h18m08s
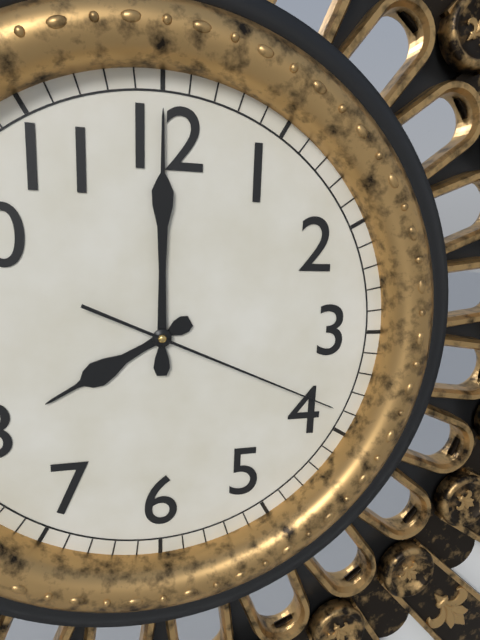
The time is 8h00m19s
